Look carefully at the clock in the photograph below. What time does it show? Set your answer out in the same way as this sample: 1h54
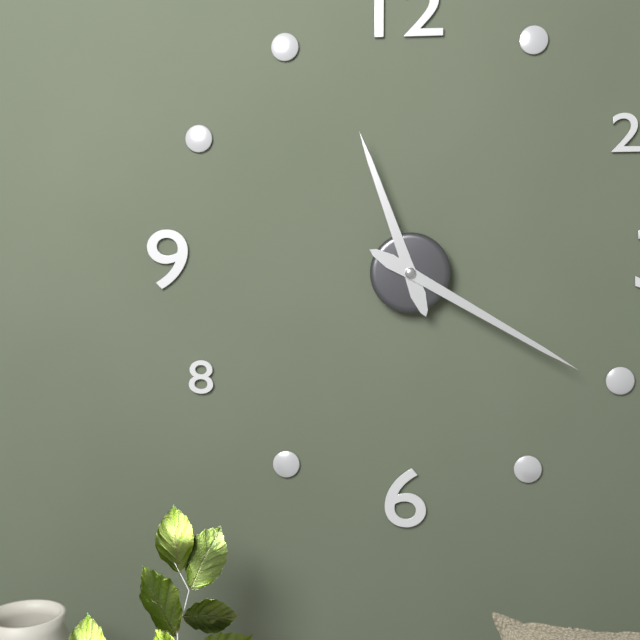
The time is 11h20
